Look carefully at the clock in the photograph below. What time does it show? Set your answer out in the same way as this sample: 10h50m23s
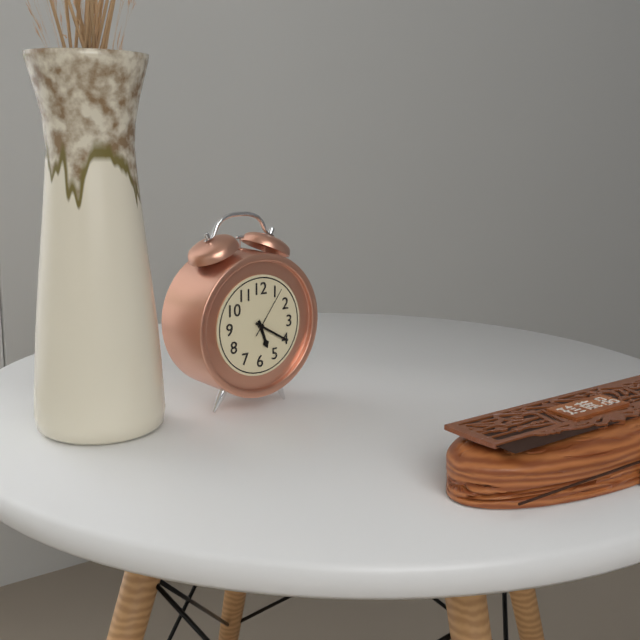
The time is 5h20m06s
